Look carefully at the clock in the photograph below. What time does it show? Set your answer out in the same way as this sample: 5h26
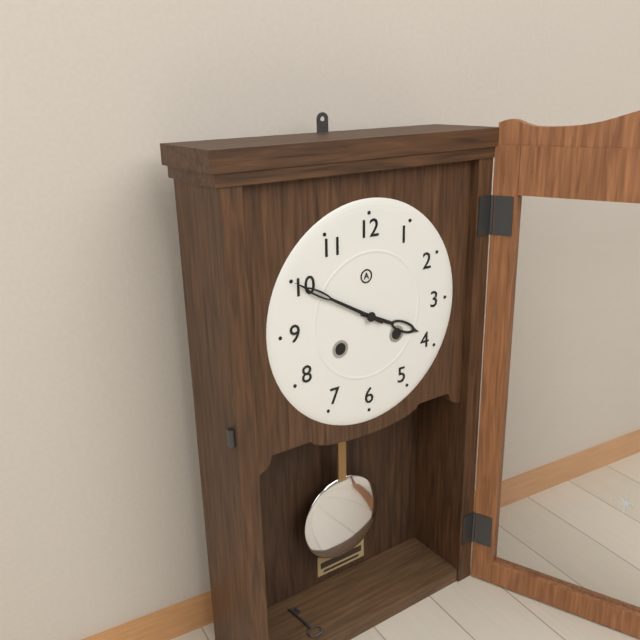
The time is 3h50
